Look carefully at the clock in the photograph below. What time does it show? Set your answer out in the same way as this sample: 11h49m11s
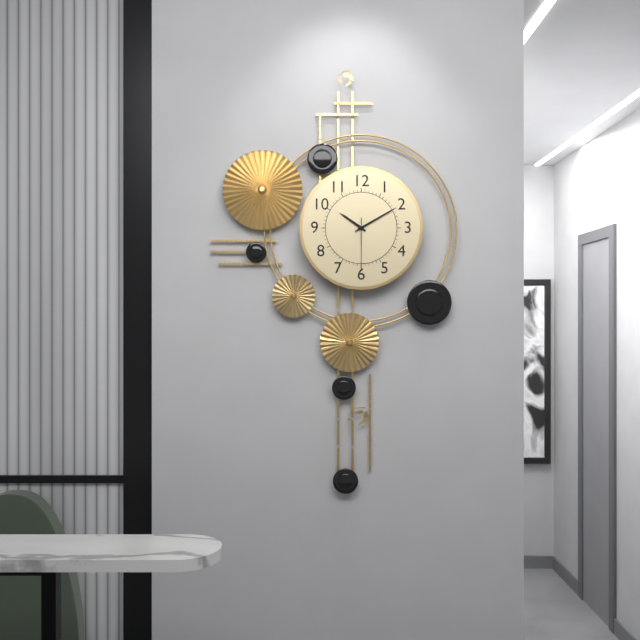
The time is 10h10m30s
